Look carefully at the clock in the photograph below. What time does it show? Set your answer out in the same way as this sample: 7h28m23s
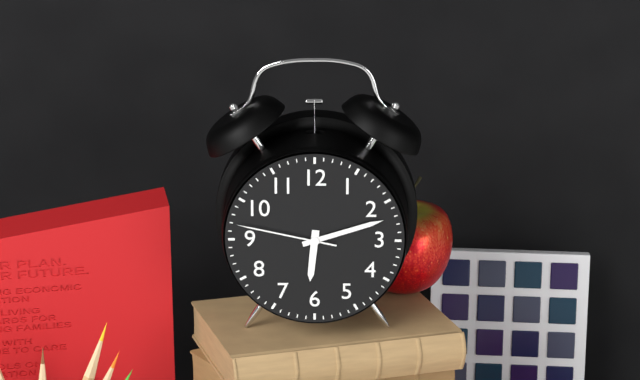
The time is 6h12m47s
